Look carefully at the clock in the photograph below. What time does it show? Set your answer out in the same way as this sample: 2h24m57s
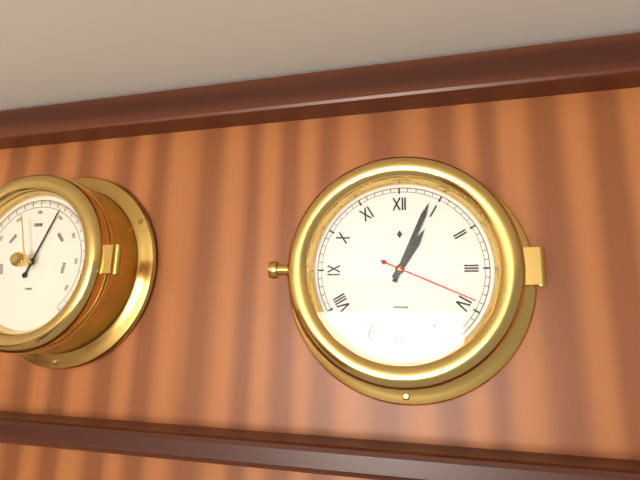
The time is 1h04m19s
